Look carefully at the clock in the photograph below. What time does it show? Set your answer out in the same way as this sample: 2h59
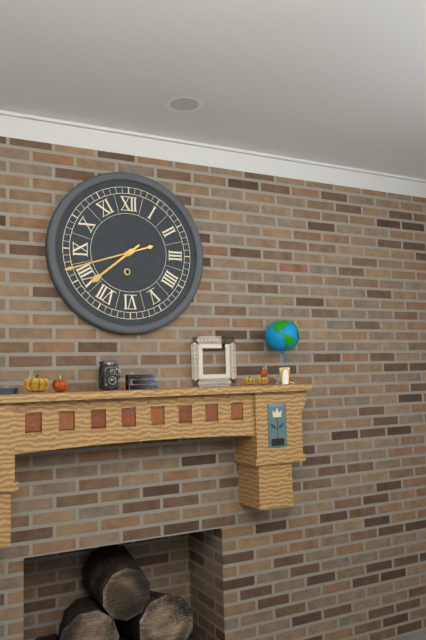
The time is 7h42
